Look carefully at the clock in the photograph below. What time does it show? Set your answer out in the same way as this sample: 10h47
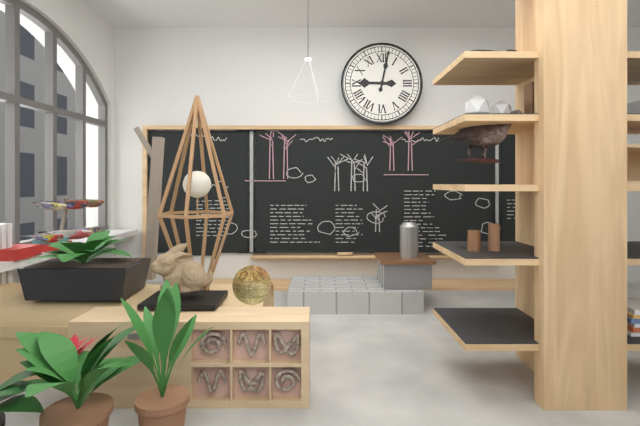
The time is 9h02
